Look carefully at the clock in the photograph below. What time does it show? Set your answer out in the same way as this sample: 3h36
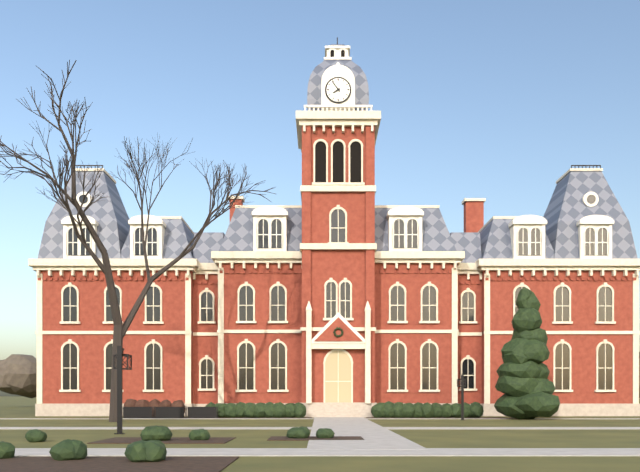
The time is 7h54
